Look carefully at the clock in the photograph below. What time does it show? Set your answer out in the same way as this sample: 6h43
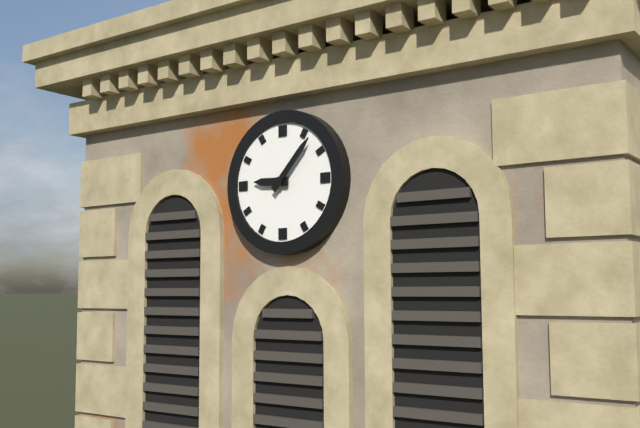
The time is 9h07
